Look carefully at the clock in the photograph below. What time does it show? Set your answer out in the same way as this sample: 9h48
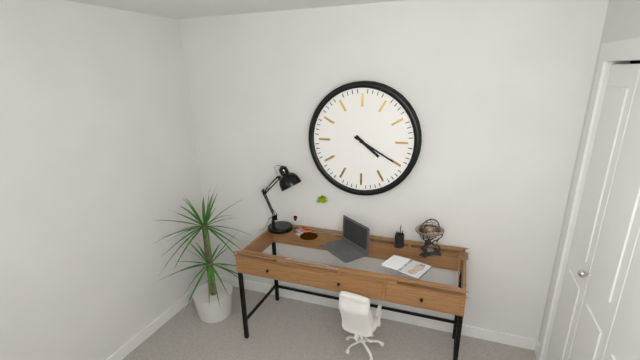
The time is 4h20
